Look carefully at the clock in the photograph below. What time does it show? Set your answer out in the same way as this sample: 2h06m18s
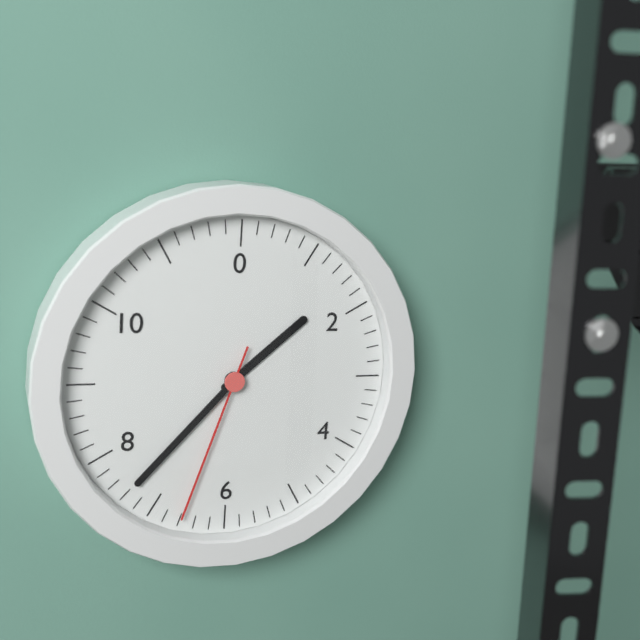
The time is 1h37m33s
